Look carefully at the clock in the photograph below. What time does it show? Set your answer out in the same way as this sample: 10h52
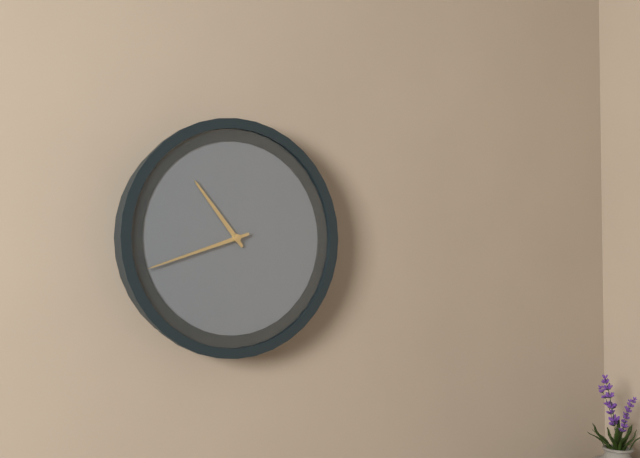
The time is 10h42
